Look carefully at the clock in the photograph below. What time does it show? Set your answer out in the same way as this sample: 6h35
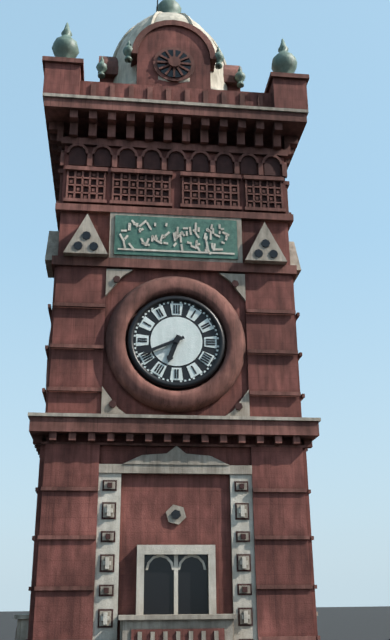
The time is 6h41
